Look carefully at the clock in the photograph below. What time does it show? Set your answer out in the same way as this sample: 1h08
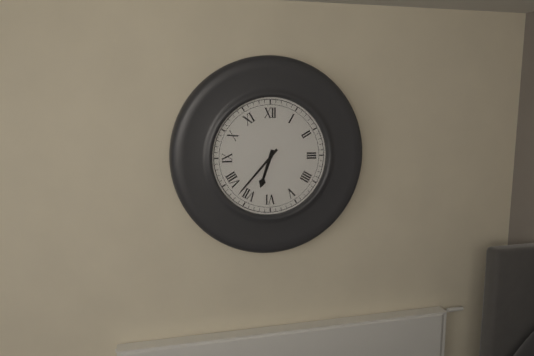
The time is 6h37
